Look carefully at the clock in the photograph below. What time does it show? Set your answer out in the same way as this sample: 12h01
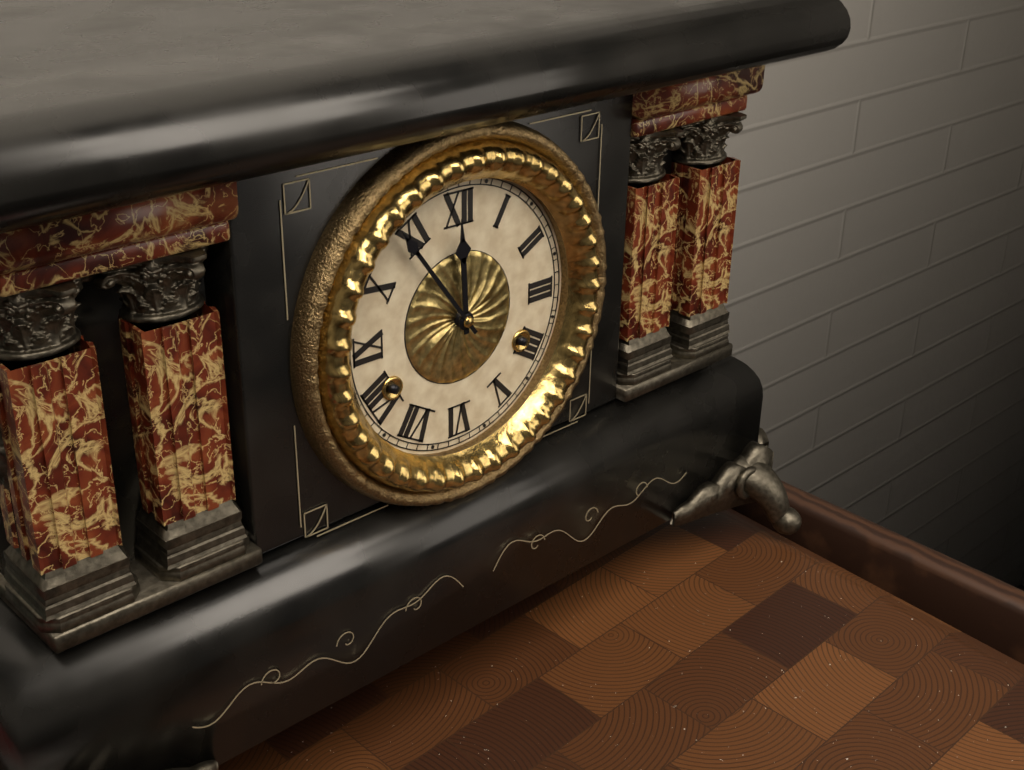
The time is 11h54
